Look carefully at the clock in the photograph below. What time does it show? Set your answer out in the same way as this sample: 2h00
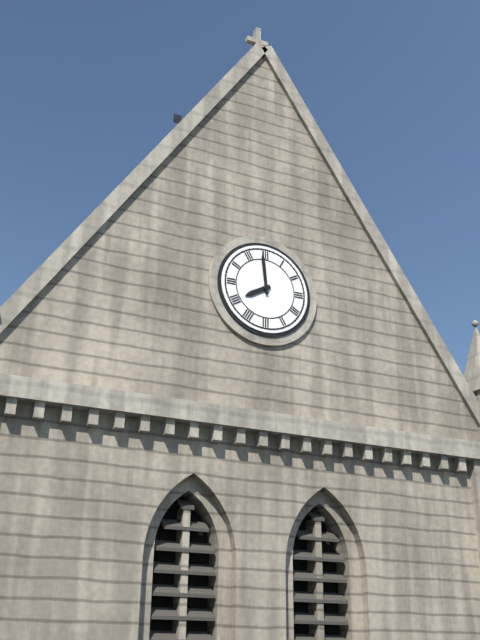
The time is 7h59
